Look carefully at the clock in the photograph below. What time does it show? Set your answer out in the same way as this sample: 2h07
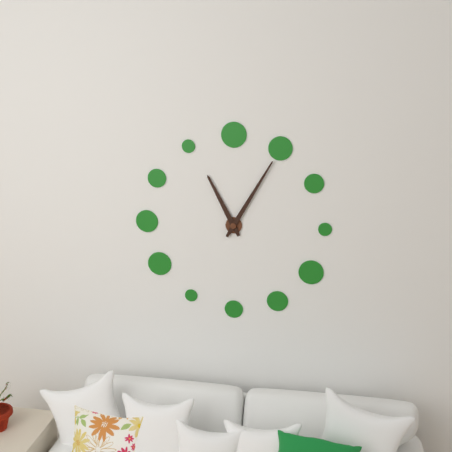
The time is 11h05
